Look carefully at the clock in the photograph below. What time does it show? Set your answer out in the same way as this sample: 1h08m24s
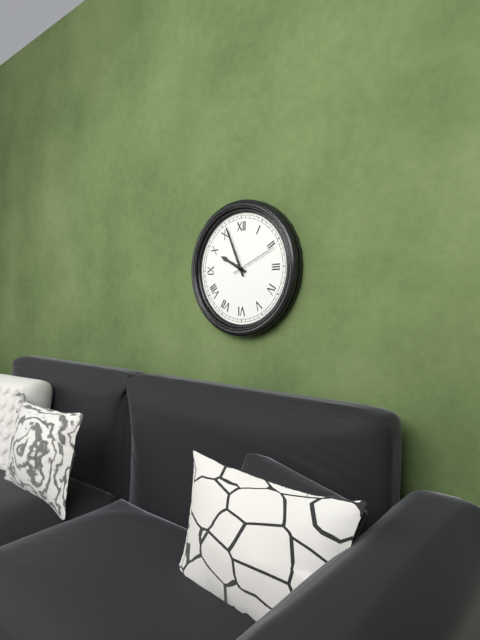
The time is 9h56m11s
